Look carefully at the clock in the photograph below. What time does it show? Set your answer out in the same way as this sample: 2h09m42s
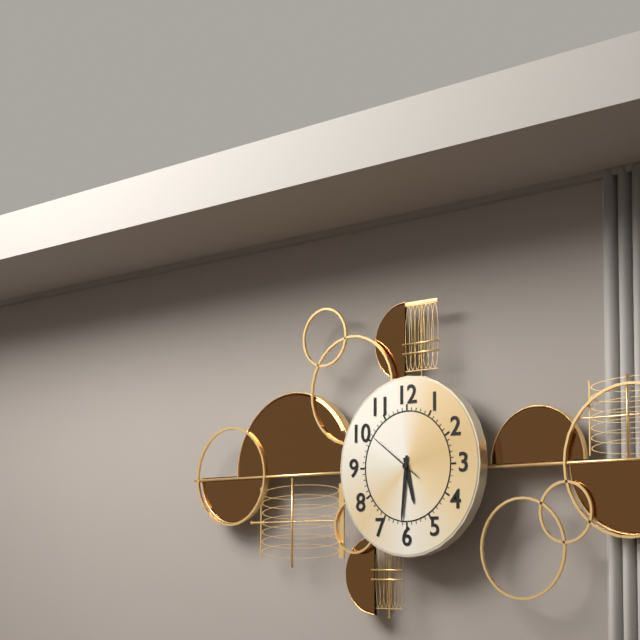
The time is 5h31m51s
